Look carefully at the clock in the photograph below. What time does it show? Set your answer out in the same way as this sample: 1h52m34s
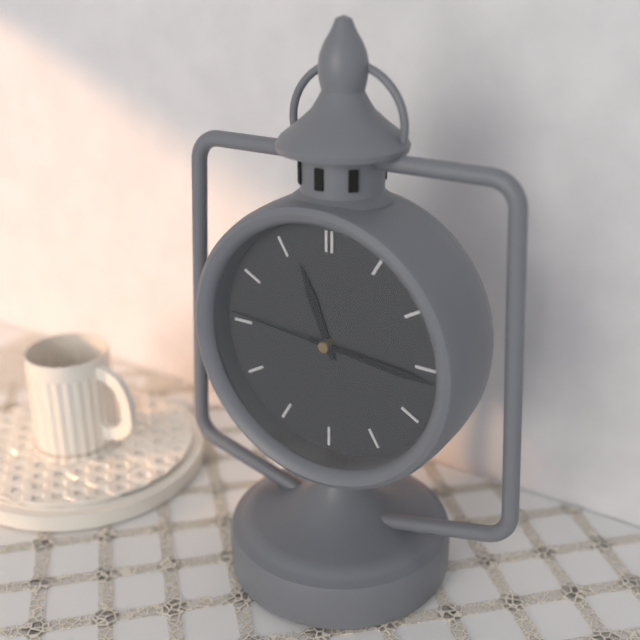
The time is 11h16m46s
